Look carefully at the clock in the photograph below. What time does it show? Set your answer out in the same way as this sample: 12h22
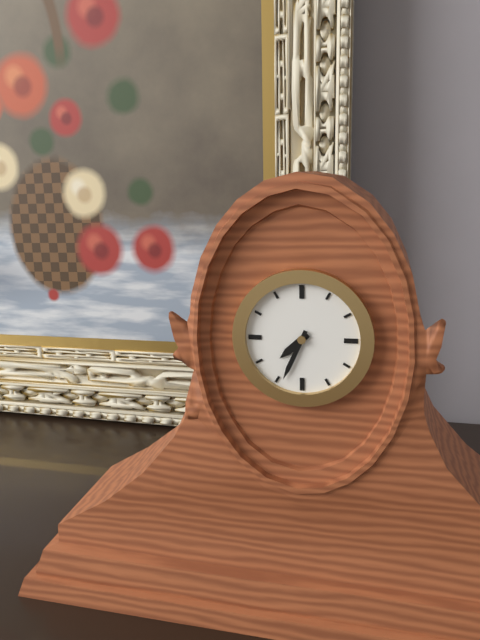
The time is 7h34
